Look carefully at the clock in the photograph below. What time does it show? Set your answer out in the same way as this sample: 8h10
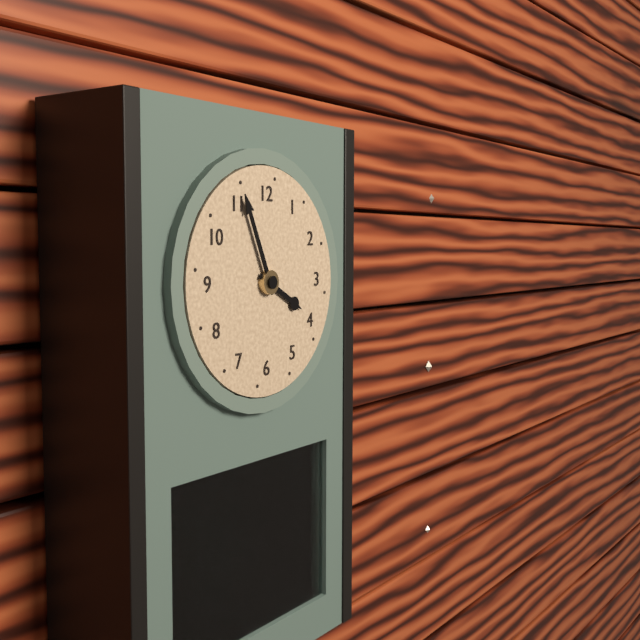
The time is 3h56
